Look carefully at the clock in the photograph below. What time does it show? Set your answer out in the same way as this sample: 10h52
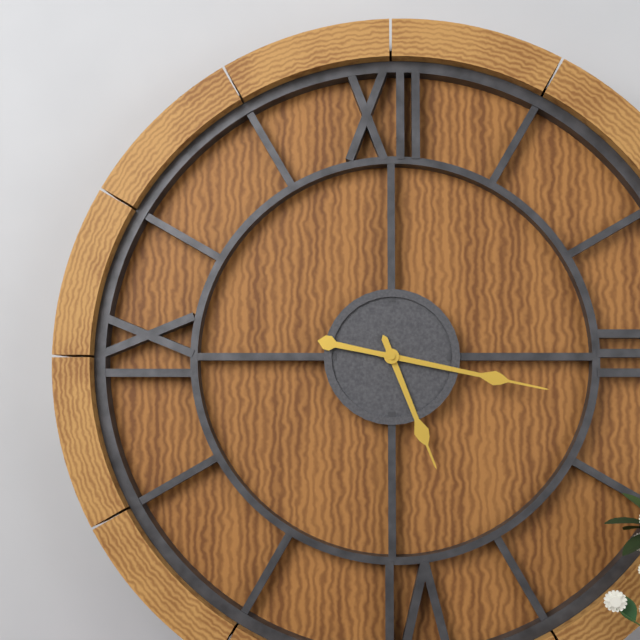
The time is 5h17
